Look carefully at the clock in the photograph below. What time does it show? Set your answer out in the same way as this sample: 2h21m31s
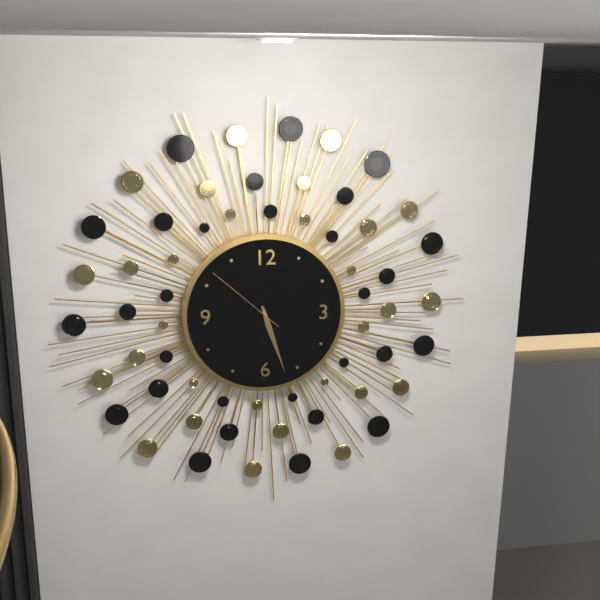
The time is 5h27m52s
